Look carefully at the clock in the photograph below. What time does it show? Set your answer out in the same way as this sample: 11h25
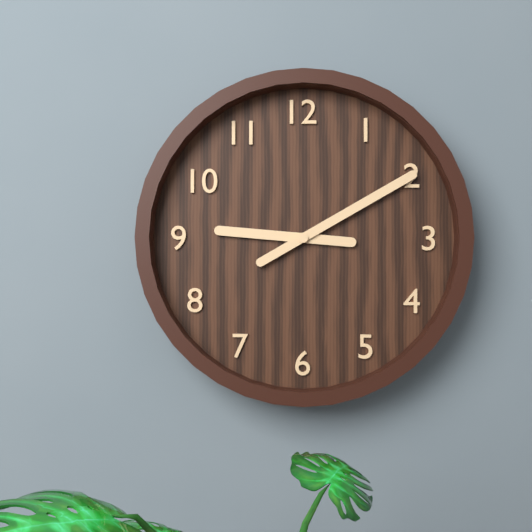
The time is 9h10
